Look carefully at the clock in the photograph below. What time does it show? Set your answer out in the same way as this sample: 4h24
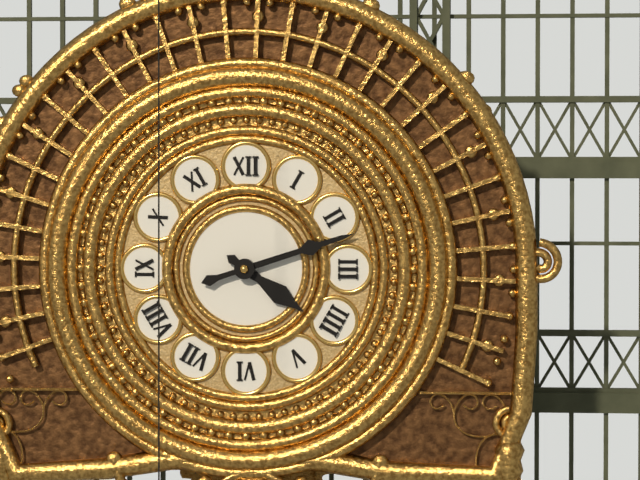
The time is 4h12
